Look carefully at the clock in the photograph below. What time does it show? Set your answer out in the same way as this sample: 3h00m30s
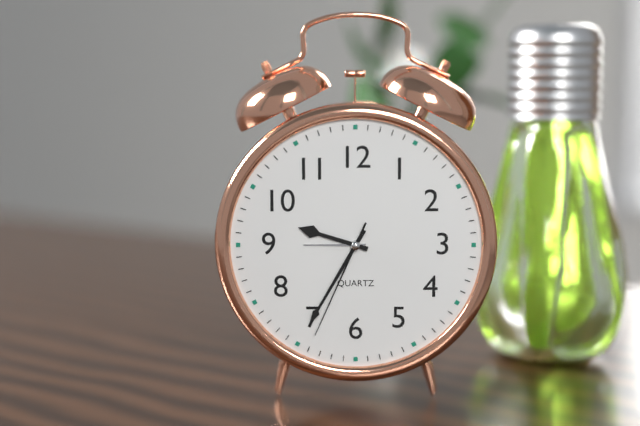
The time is 9h35m34s
